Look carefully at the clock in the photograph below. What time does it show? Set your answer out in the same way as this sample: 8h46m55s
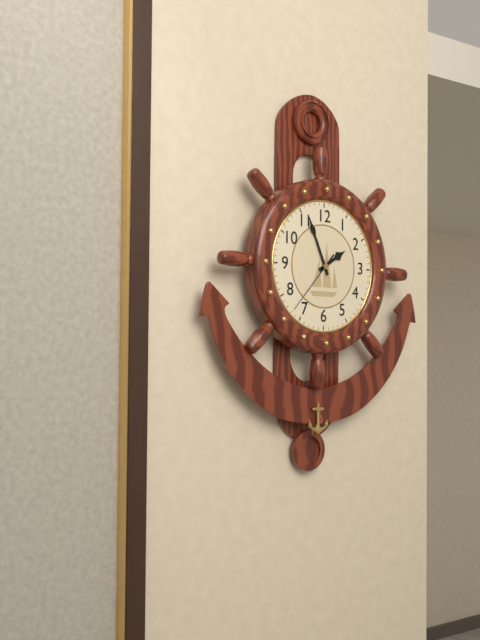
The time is 1h56m37s
